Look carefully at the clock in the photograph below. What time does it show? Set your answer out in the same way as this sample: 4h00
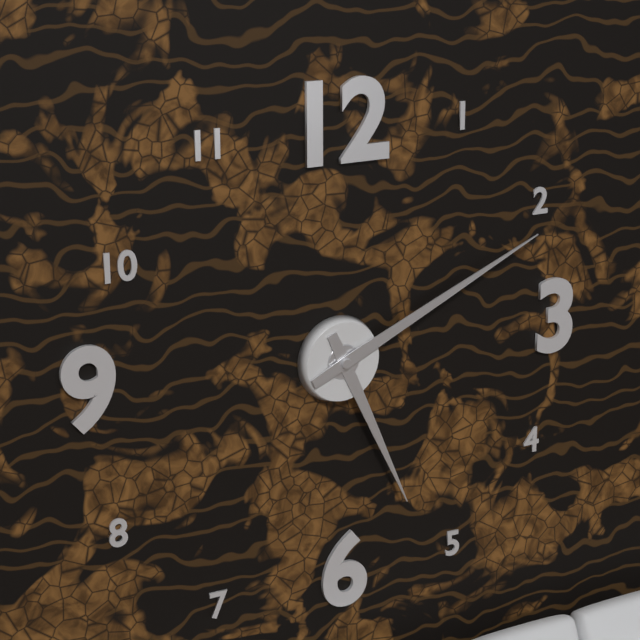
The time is 5h11
